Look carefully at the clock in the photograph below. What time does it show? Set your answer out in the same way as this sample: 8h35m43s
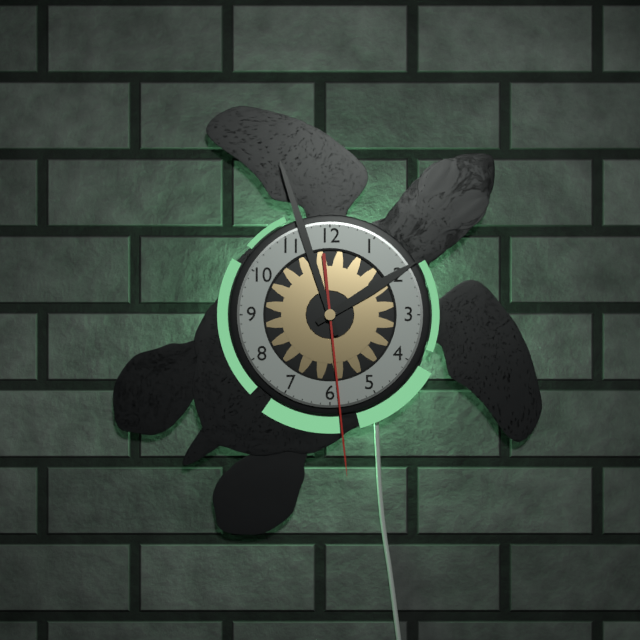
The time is 1h57m29s
